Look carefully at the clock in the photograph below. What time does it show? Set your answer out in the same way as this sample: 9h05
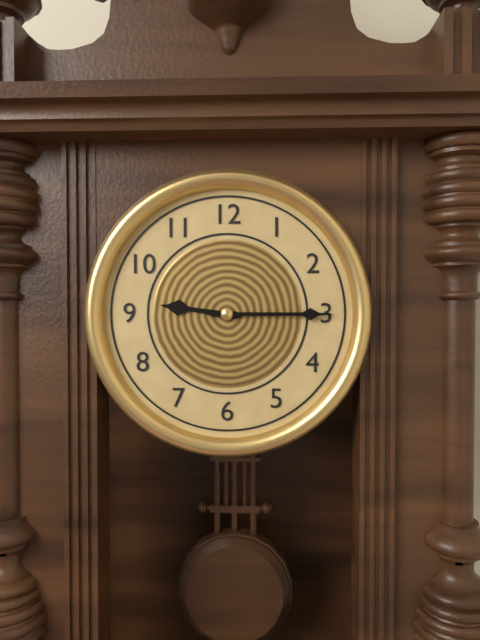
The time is 9h15
